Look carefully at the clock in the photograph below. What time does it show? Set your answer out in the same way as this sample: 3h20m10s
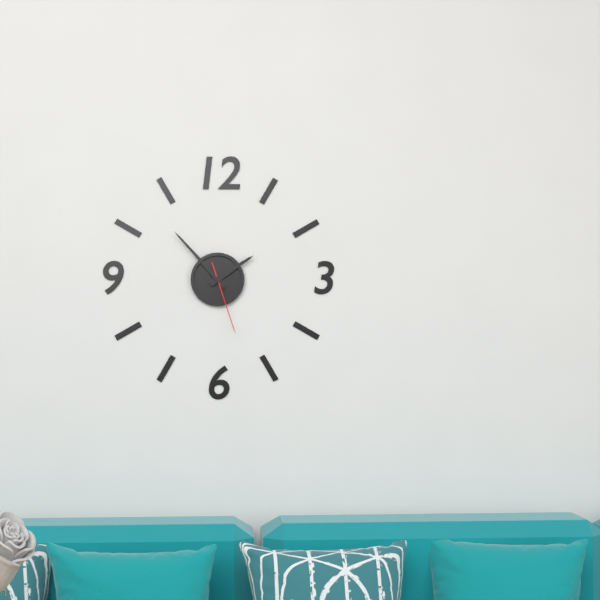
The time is 1h53m27s
